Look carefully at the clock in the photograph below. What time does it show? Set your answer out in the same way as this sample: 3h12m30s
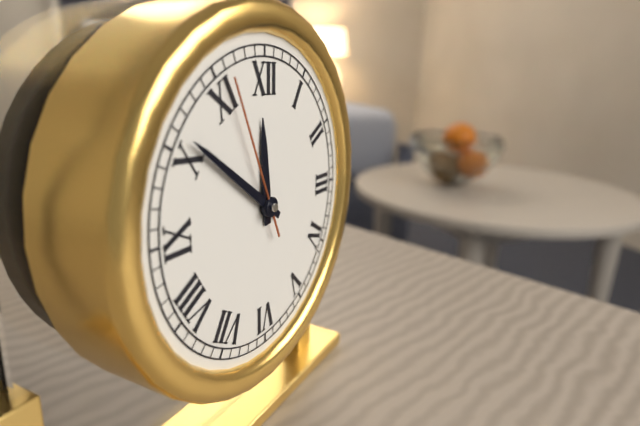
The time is 11h51m56s
